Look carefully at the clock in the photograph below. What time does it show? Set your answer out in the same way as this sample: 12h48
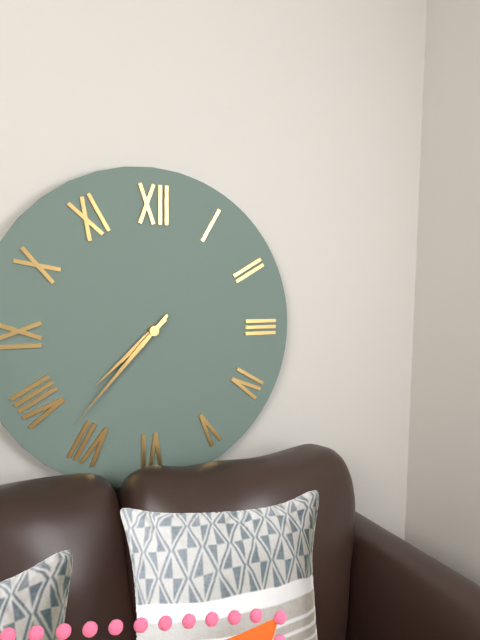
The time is 7h37
